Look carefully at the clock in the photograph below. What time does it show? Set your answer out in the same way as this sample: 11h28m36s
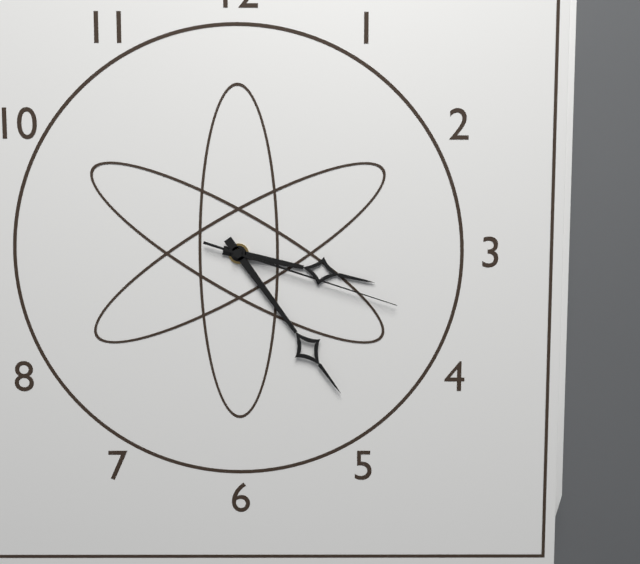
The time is 3h24m18s
